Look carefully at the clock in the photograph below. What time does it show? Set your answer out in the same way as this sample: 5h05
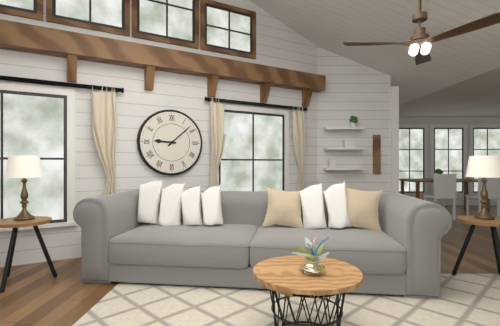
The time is 9h08
